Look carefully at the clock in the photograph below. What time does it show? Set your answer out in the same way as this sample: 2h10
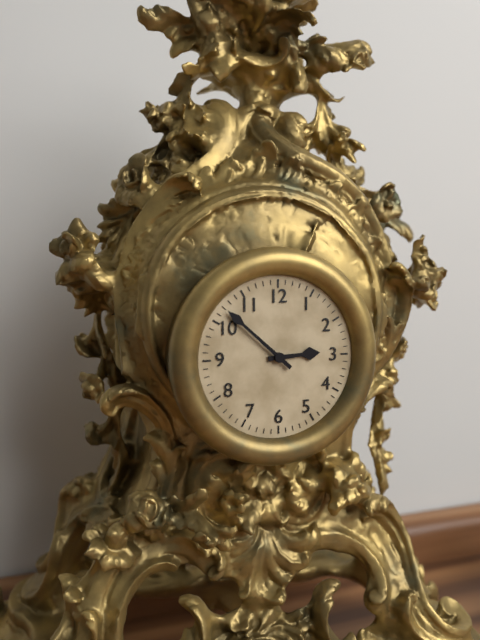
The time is 2h52
